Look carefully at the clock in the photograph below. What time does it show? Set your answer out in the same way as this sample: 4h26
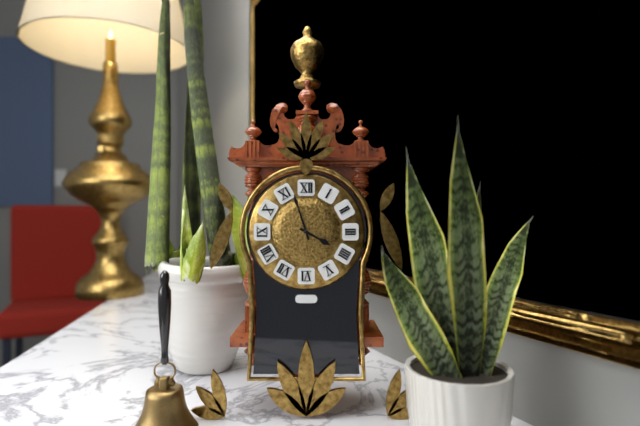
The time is 3h57
